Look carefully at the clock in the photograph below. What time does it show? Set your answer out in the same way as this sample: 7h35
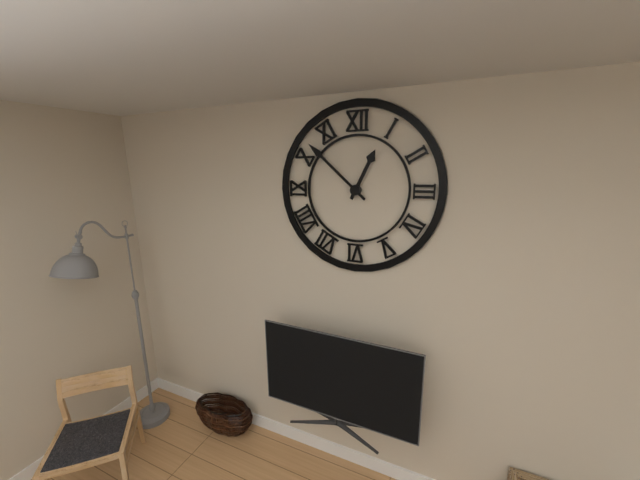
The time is 12h52
